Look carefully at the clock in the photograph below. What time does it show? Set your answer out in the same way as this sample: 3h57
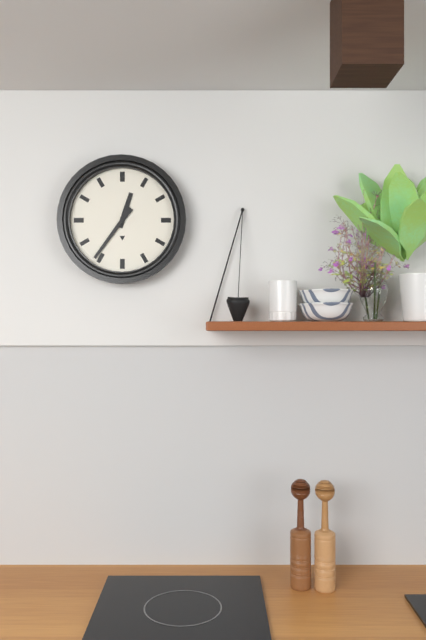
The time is 12h36
